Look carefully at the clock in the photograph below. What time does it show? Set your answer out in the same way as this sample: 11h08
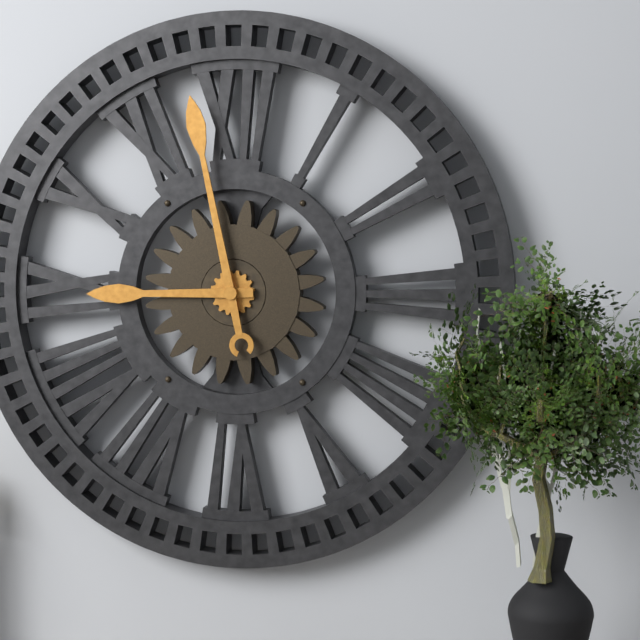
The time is 8h58
